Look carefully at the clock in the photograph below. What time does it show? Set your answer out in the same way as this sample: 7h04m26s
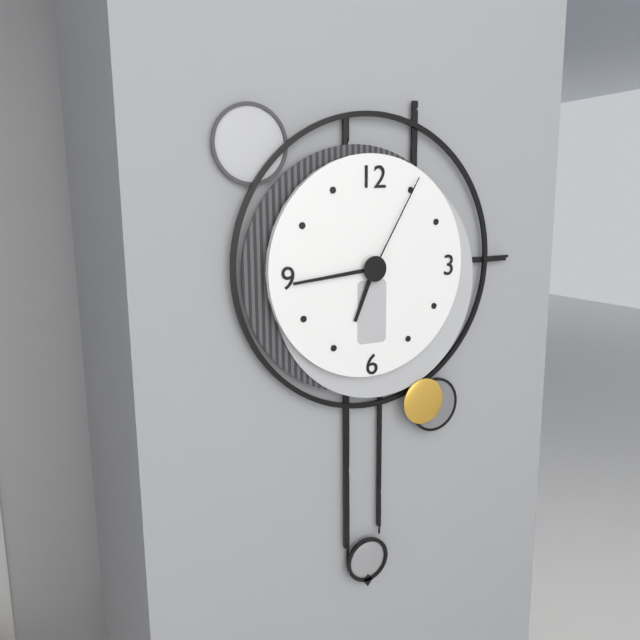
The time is 6h44m05s
